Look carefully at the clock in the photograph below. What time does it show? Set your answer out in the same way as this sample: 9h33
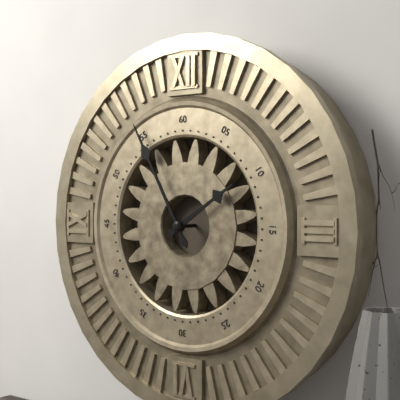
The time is 1h55
